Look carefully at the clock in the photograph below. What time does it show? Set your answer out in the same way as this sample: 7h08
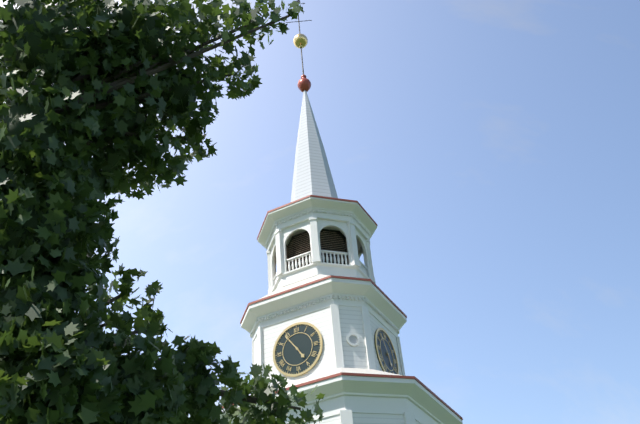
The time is 4h54
